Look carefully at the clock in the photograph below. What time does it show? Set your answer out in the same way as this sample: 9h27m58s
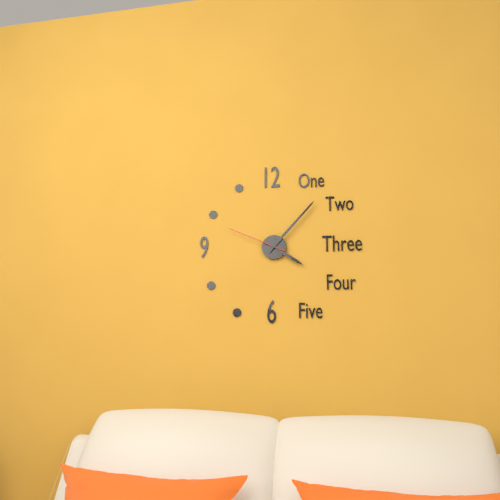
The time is 4h07m49s
